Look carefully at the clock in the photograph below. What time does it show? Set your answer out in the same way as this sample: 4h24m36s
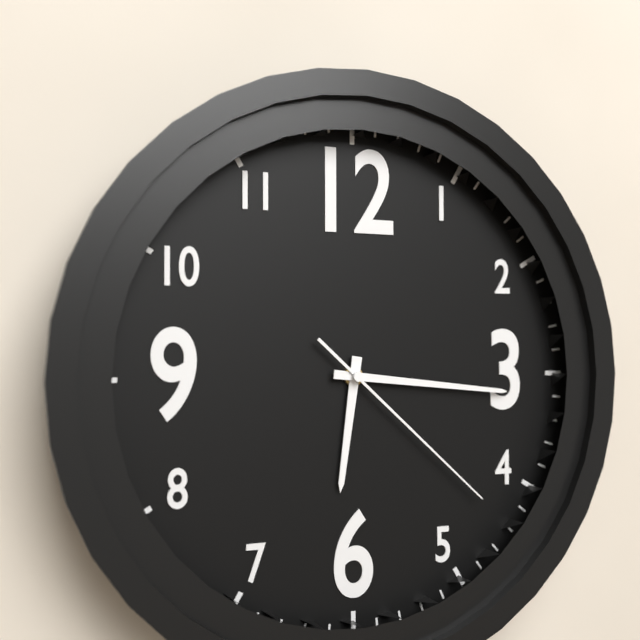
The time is 6h16m22s
